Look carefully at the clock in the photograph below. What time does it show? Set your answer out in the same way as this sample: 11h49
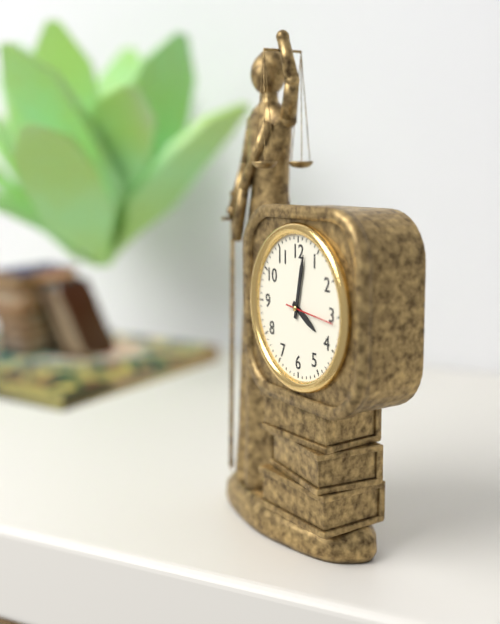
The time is 4h02
